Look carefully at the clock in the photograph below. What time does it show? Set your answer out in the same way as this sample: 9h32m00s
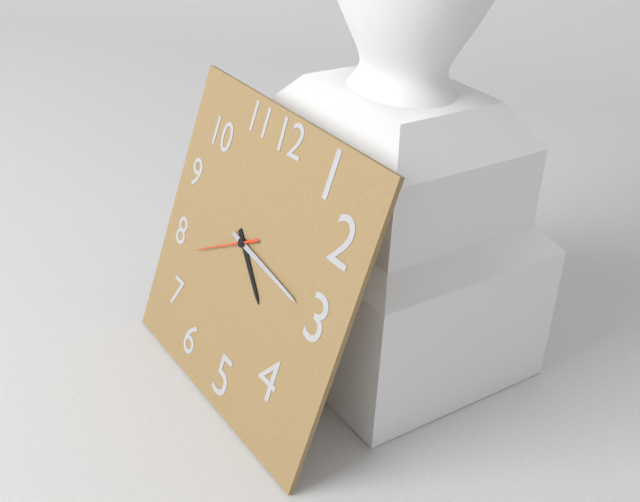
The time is 4h16m40s
